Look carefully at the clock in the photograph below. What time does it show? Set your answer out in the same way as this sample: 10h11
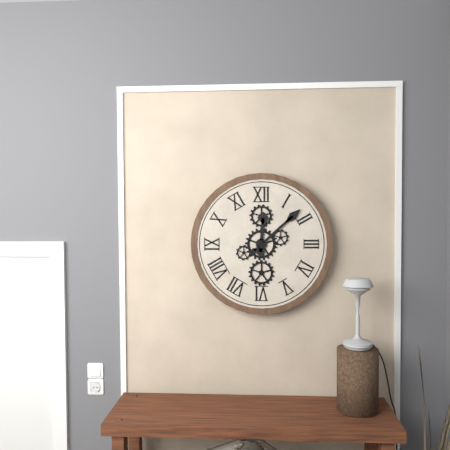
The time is 12h08
